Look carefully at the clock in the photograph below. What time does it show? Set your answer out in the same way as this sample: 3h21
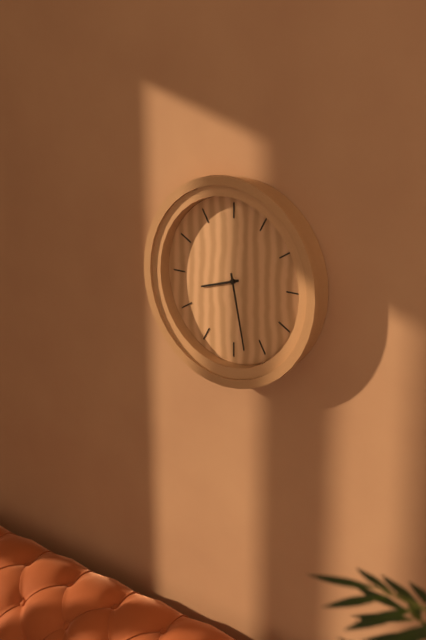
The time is 8h28
